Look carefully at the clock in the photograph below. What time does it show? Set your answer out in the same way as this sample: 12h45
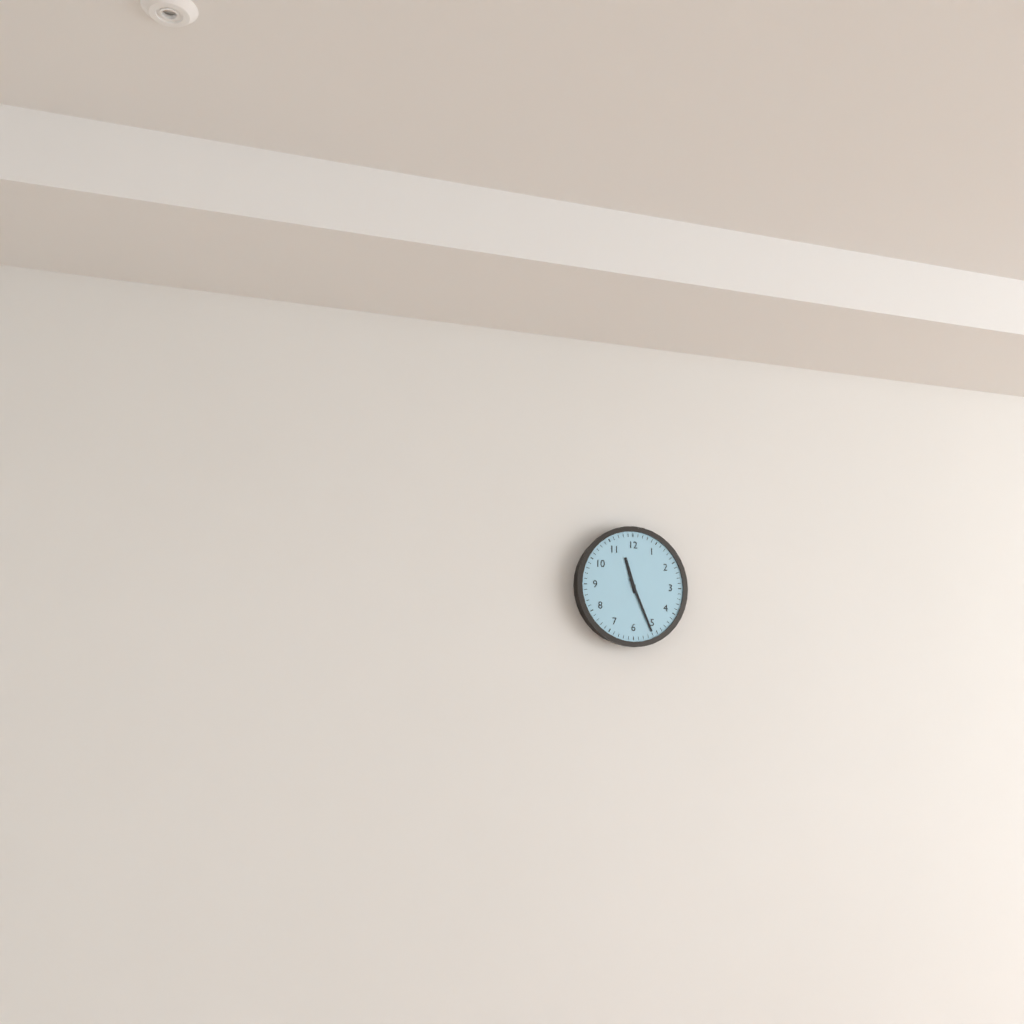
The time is 11h26
